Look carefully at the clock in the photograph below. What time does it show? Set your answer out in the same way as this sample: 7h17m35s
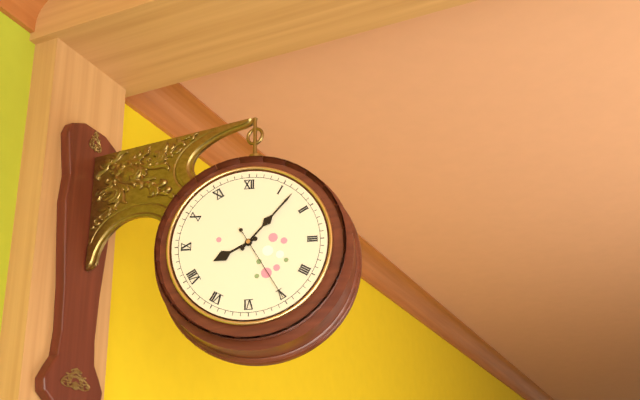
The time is 8h07m25s
